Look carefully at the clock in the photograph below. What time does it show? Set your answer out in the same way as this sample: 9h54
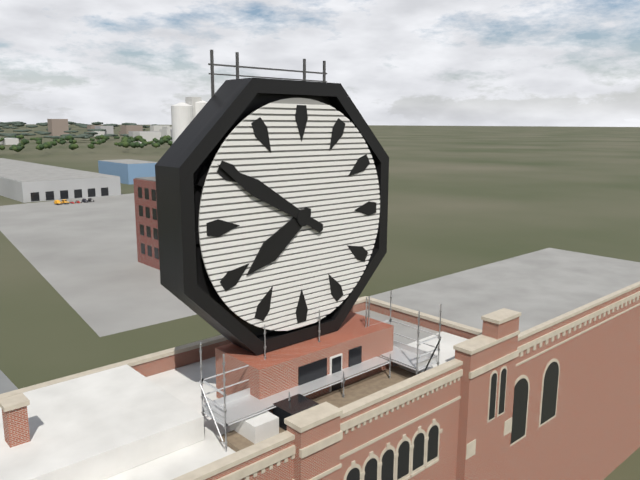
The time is 7h50
